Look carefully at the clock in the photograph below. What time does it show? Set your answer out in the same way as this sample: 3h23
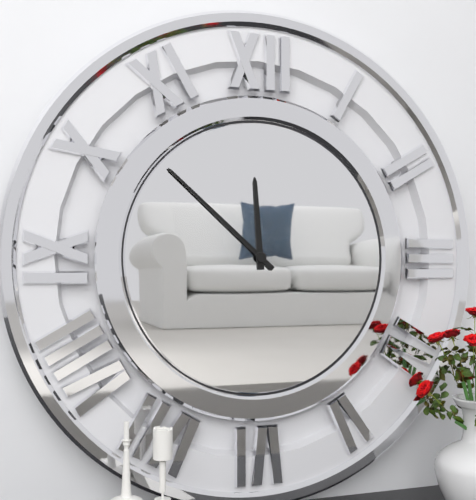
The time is 11h52
